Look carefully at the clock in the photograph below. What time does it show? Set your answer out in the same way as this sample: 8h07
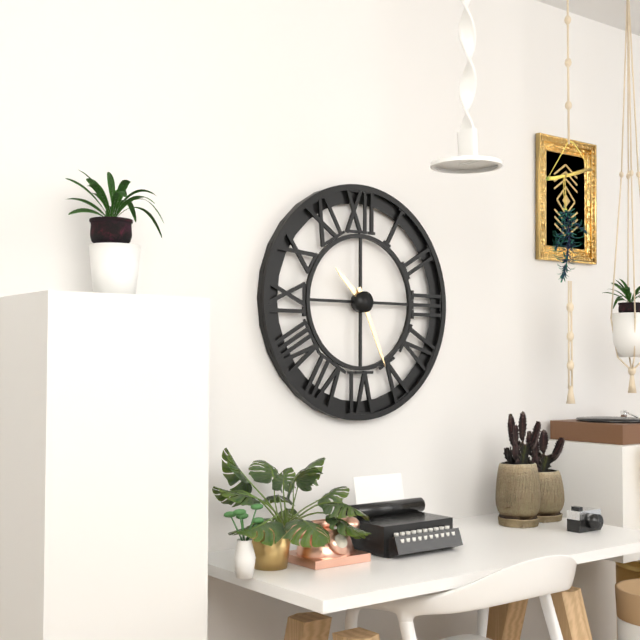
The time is 10h26
